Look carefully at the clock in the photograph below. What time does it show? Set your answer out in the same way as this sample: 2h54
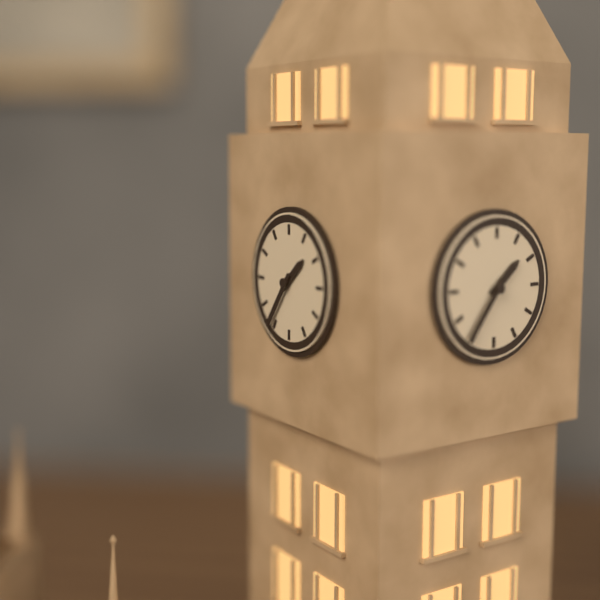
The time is 1h36
